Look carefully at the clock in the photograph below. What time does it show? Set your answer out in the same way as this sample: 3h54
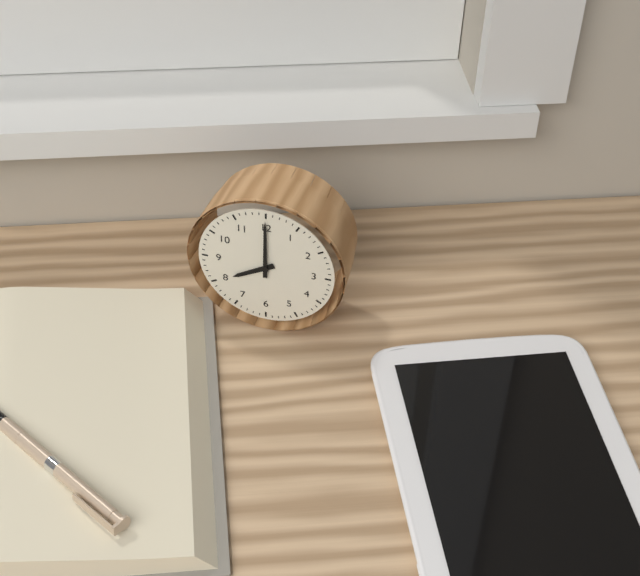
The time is 8h00
